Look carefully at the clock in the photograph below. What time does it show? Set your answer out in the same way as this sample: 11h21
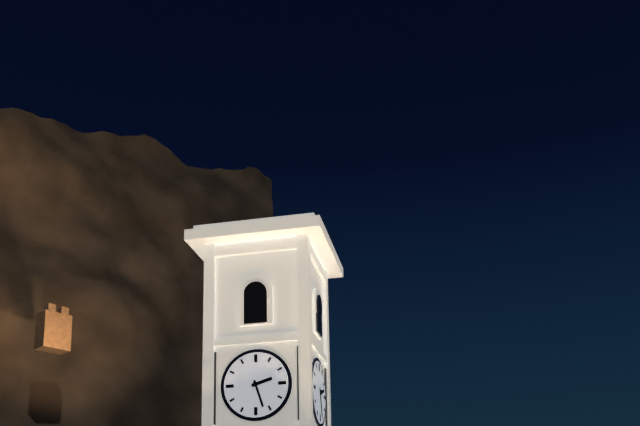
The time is 2h27
